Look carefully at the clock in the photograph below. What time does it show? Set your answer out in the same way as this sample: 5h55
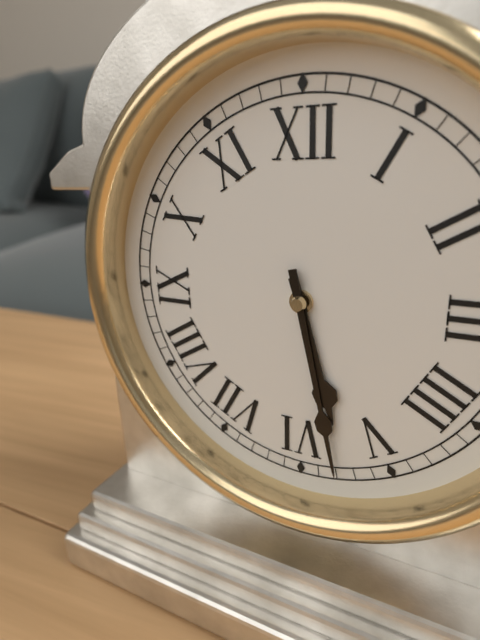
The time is 5h28
